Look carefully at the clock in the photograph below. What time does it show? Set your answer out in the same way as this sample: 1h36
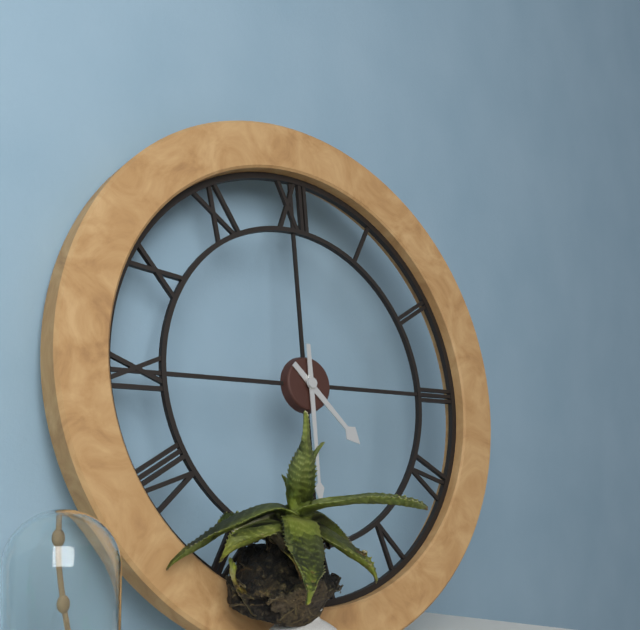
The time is 4h30
